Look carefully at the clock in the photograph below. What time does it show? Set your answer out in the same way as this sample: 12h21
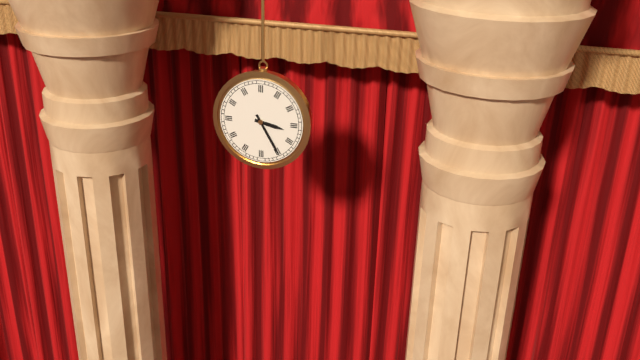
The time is 3h25
